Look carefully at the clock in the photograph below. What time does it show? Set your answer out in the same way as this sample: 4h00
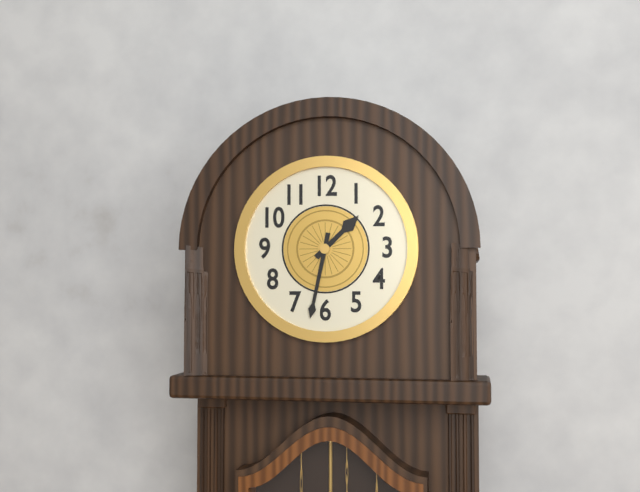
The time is 1h32
